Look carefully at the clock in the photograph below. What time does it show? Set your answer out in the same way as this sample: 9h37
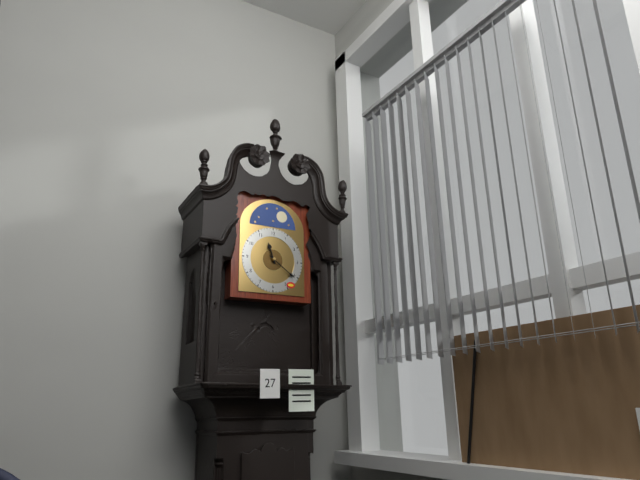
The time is 11h21
